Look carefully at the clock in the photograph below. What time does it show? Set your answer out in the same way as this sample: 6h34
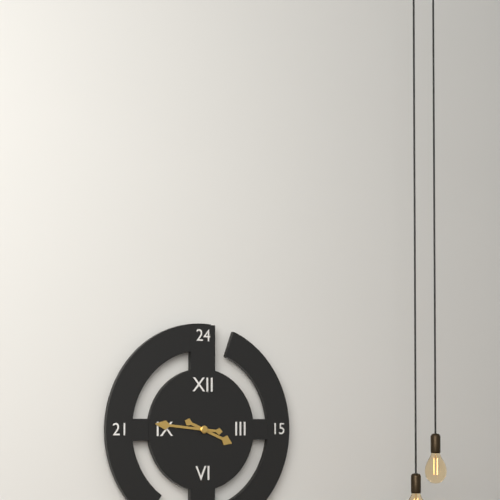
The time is 3h46
